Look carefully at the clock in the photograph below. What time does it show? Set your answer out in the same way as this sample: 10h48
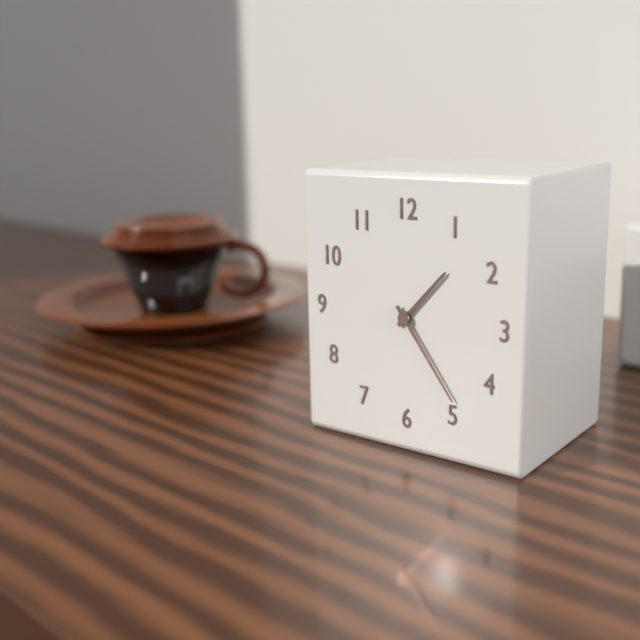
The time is 1h24
